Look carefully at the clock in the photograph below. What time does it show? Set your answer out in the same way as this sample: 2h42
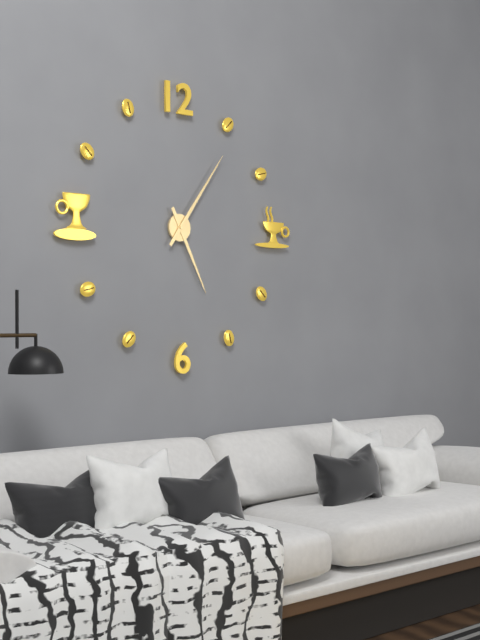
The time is 5h06
